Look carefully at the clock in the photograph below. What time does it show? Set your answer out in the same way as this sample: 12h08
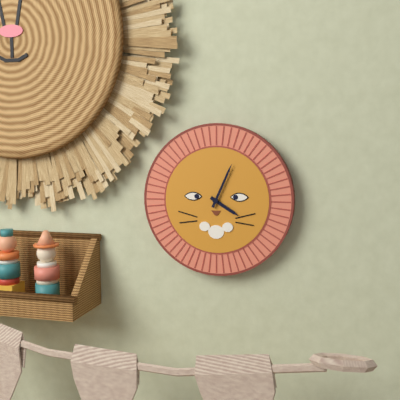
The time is 4h04
